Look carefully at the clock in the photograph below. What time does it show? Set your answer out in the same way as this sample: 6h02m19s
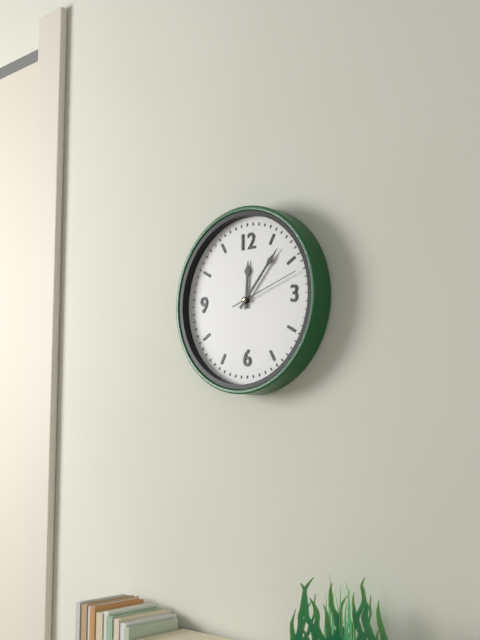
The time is 12h07m12s
